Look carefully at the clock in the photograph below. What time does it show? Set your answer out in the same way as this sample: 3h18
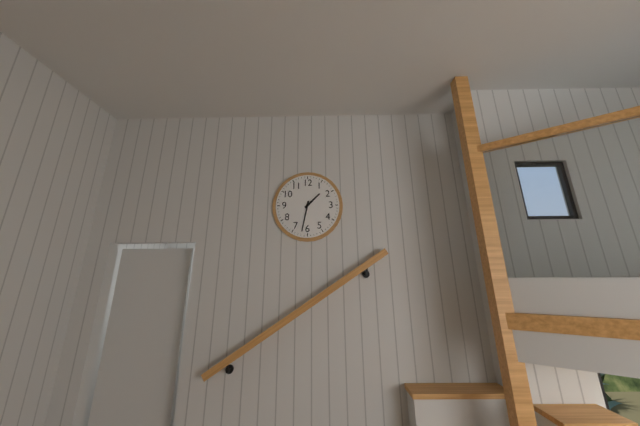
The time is 1h32
